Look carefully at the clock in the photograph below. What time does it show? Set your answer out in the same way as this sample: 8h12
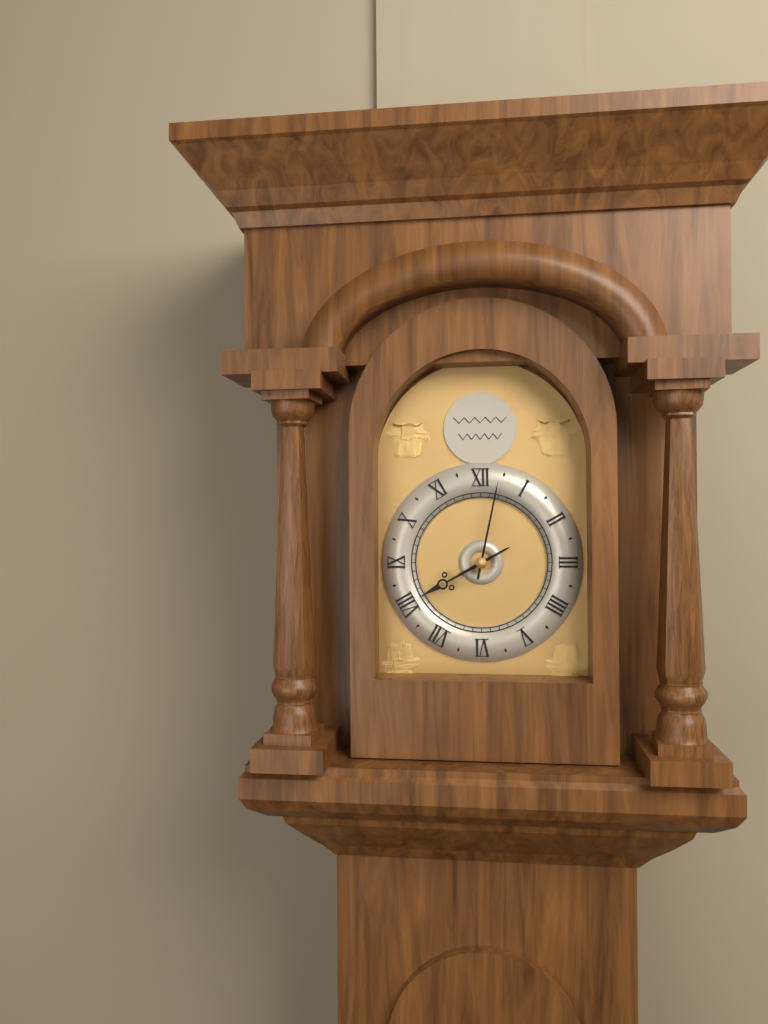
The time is 8h02
